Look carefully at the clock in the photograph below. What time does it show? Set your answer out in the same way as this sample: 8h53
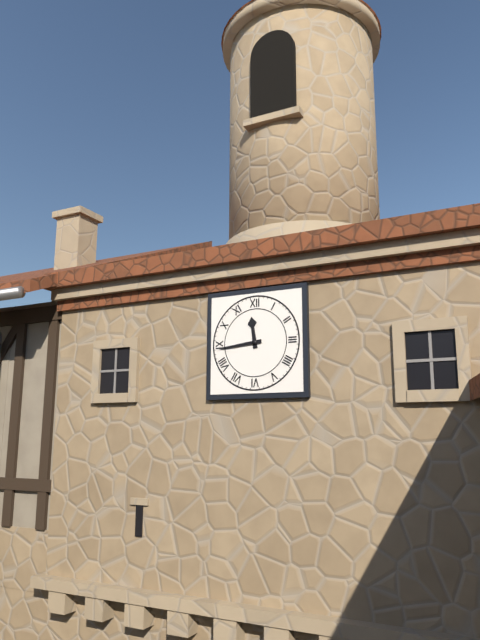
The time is 11h44
